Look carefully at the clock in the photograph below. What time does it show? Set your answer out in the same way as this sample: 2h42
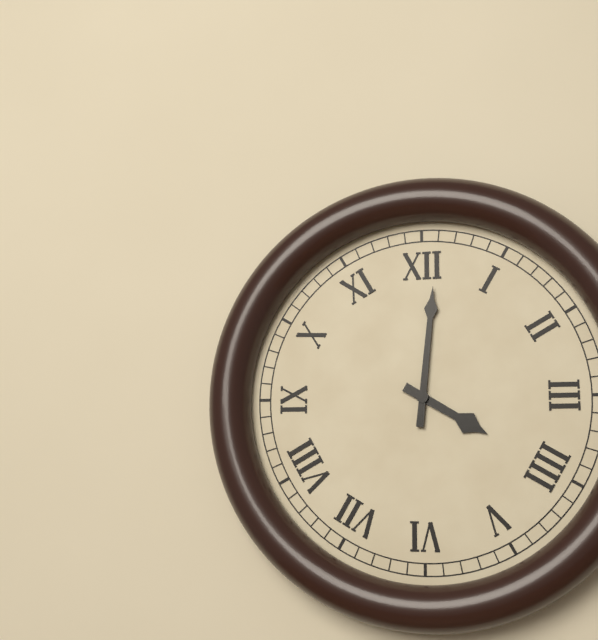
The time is 4h01
